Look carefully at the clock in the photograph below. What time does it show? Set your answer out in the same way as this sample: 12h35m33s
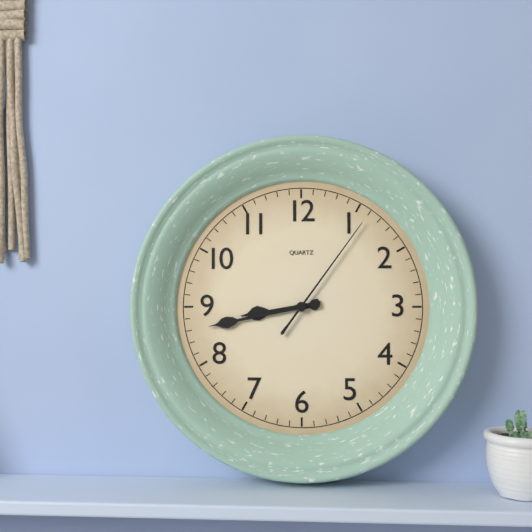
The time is 8h43m06s
